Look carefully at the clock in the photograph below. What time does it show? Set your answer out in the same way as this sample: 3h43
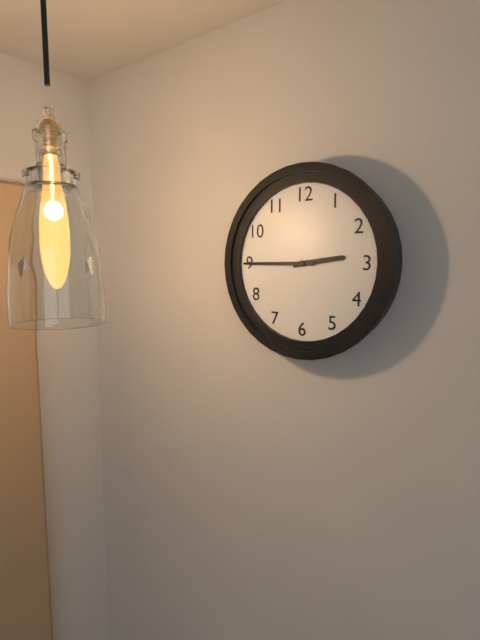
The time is 2h45
